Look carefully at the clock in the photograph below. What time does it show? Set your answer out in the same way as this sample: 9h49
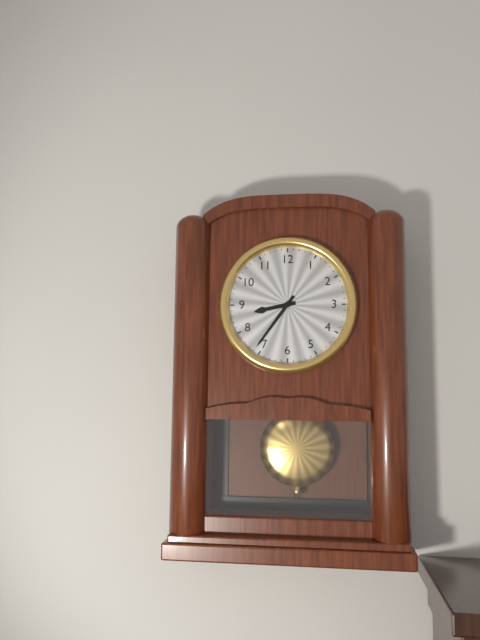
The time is 8h36
